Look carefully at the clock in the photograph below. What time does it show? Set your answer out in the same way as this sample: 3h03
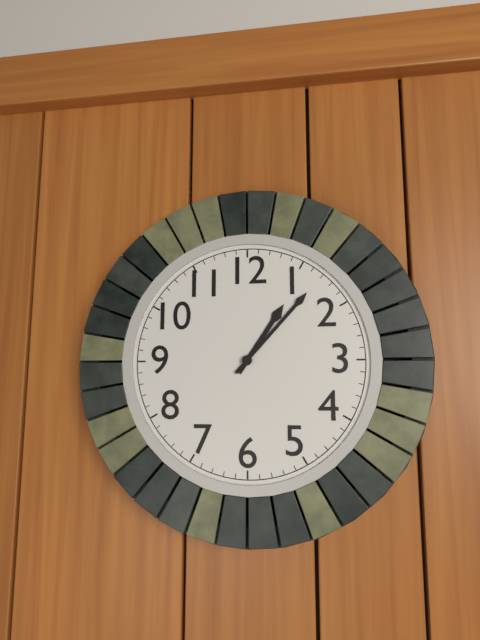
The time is 1h07
